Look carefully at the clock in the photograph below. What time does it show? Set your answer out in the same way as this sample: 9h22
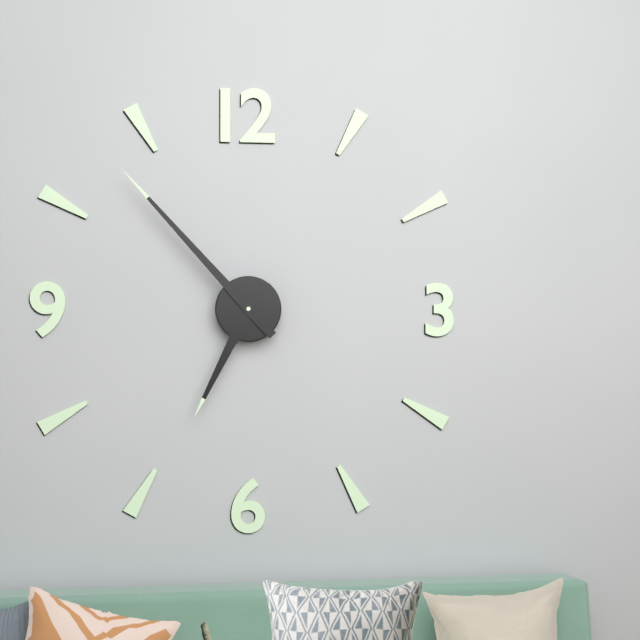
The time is 6h53
